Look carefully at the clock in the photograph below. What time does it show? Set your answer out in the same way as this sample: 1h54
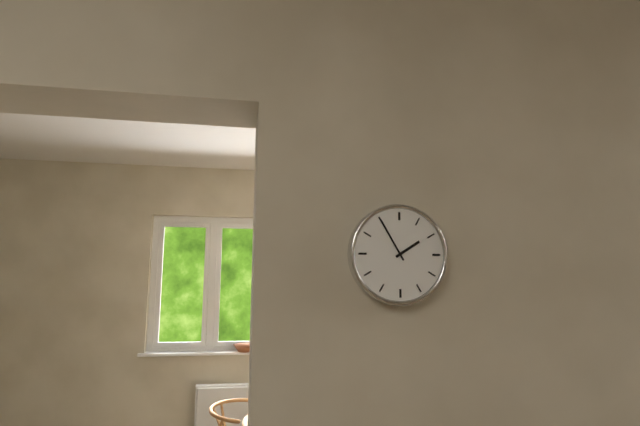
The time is 1h55
